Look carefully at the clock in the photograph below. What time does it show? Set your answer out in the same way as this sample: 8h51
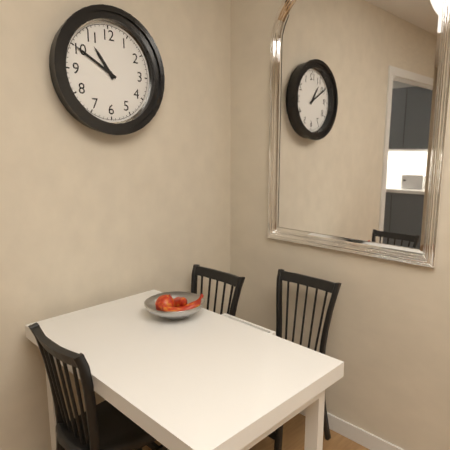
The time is 10h50
